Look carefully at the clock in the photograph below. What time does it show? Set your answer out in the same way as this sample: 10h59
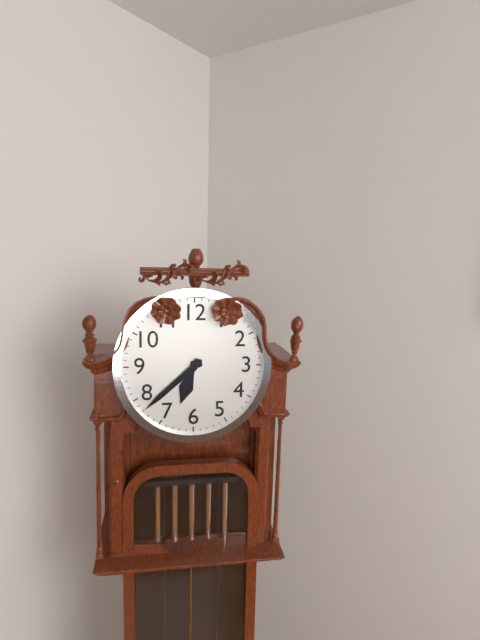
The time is 6h38
